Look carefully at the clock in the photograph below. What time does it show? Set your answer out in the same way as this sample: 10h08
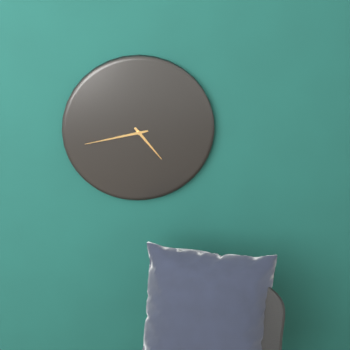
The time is 4h43
